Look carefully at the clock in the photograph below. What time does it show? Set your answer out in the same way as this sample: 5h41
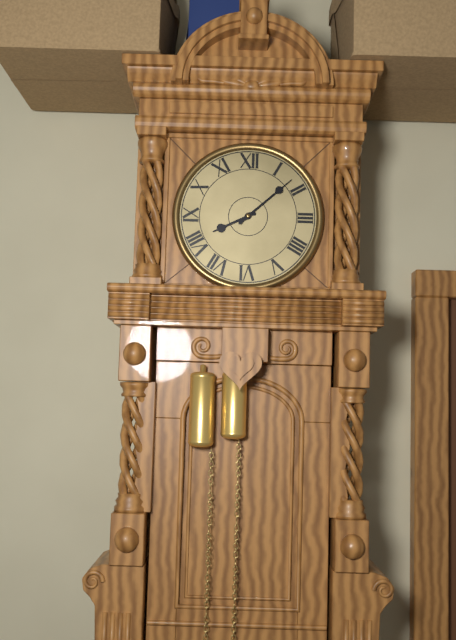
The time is 8h08
